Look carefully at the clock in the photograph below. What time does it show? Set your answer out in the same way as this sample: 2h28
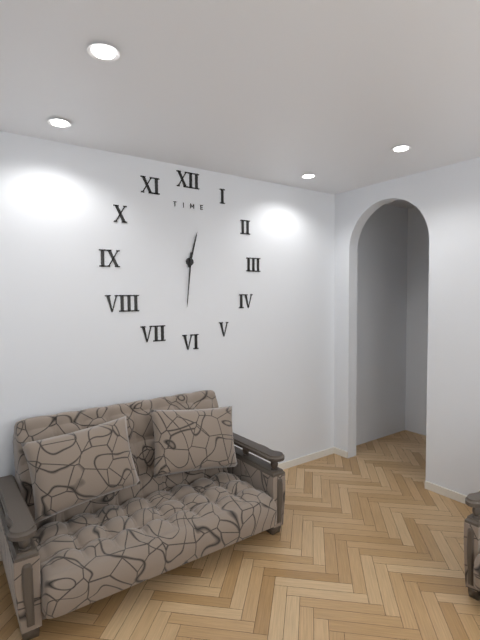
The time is 12h31
